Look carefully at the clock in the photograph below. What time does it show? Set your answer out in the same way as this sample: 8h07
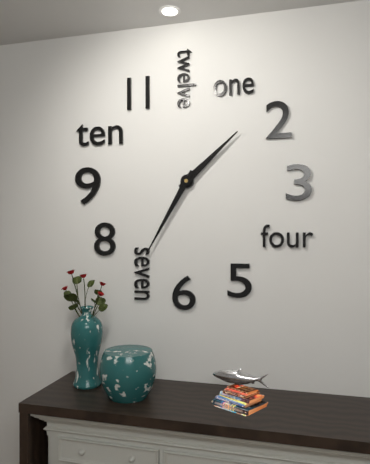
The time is 1h35
